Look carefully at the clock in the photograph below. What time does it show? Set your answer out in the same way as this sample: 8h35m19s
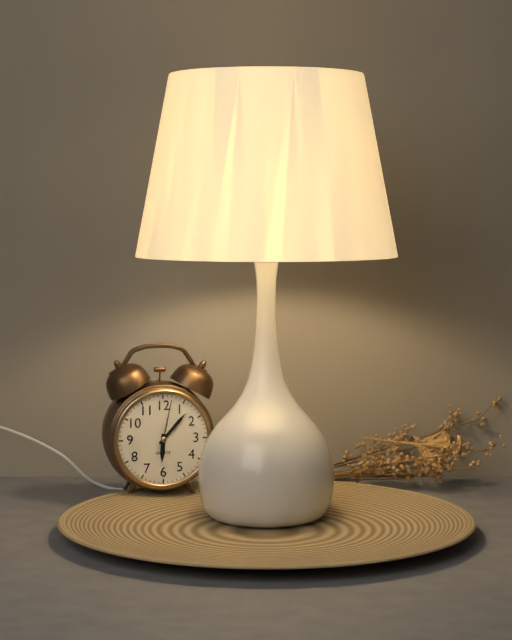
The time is 6h07m02s
